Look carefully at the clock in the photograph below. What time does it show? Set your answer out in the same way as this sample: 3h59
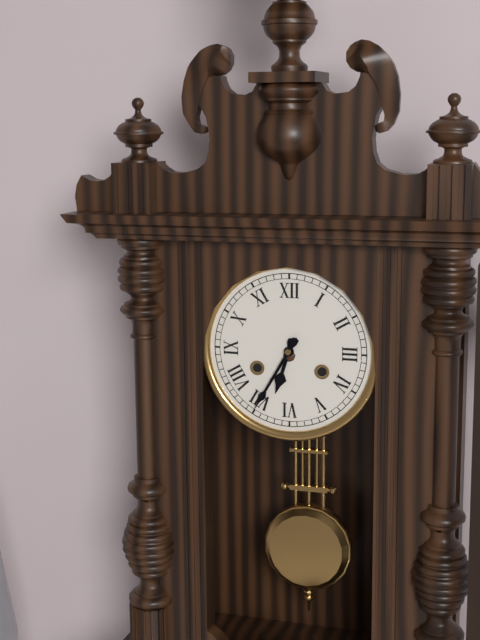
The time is 6h35
